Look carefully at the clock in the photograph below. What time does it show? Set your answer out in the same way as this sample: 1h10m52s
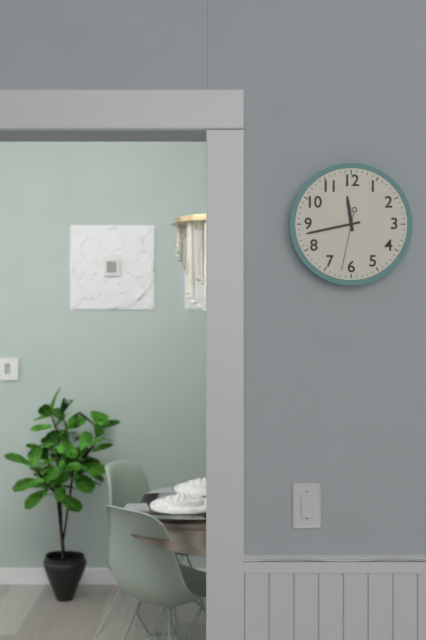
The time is 11h43m32s
